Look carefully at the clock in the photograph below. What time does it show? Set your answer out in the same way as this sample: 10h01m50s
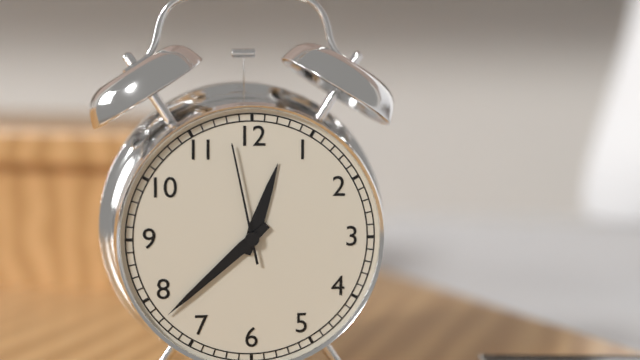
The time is 12h38m58s
